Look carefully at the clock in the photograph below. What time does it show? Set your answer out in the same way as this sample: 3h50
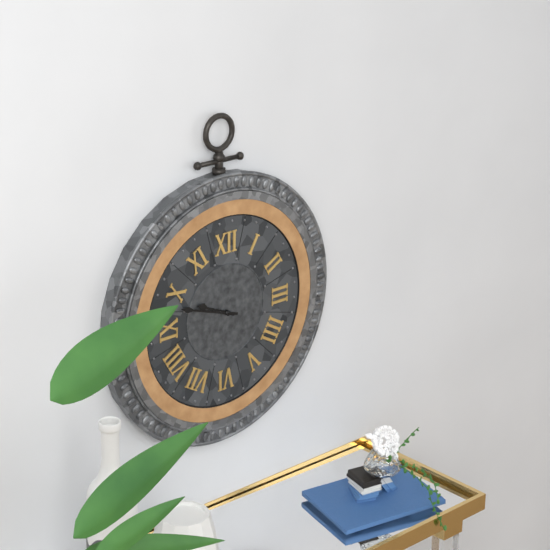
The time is 9h48
